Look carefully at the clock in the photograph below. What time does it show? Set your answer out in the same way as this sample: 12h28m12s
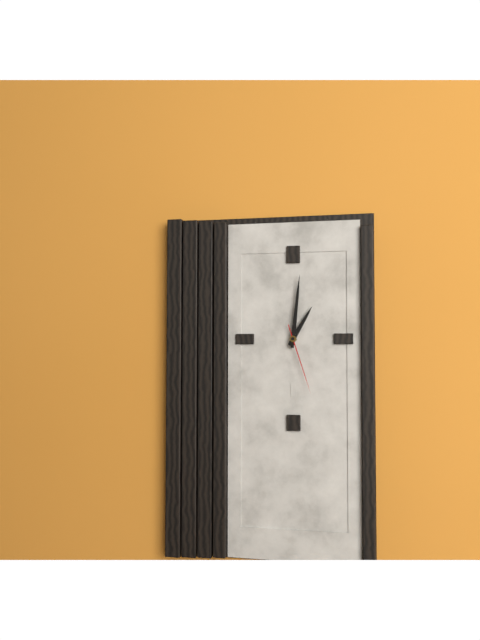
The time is 1h01m27s
